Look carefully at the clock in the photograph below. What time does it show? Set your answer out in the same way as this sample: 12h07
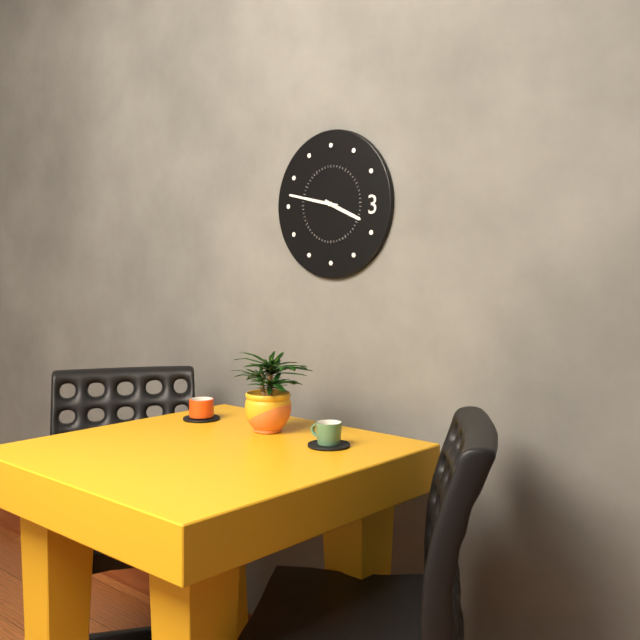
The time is 3h47
